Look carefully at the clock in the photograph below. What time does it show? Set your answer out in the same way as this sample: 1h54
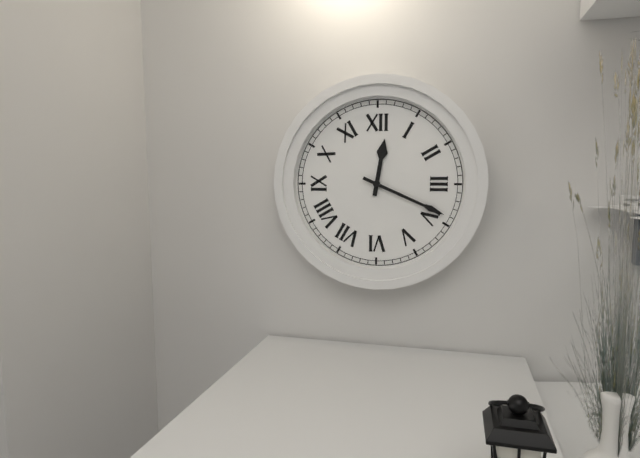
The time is 12h19
